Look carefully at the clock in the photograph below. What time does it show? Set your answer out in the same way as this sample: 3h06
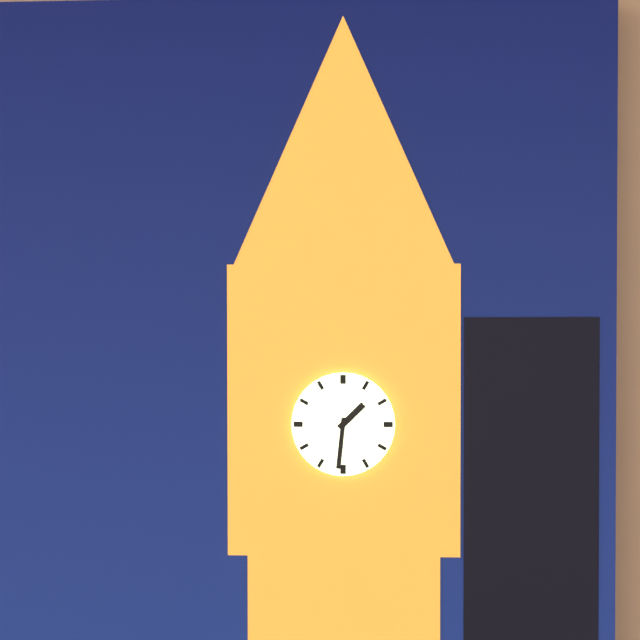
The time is 1h31
